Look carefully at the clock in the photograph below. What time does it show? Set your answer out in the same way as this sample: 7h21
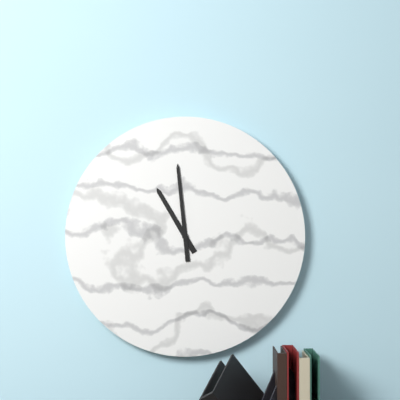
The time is 10h59
